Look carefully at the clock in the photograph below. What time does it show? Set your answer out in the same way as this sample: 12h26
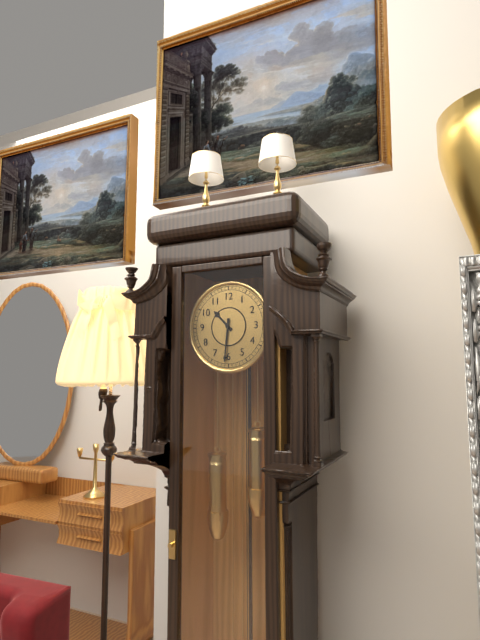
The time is 10h31
